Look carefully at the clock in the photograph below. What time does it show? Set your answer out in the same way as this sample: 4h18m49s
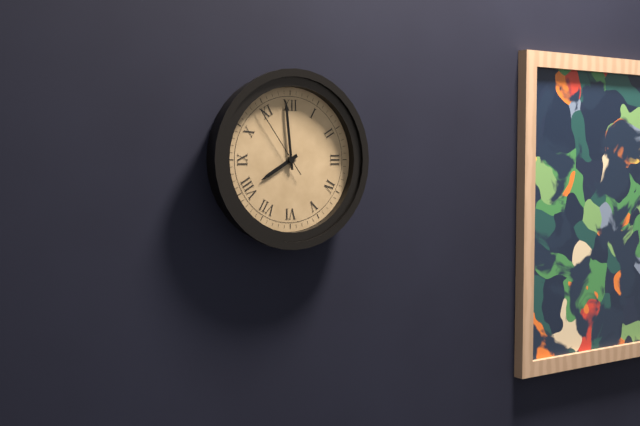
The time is 7h59m54s
